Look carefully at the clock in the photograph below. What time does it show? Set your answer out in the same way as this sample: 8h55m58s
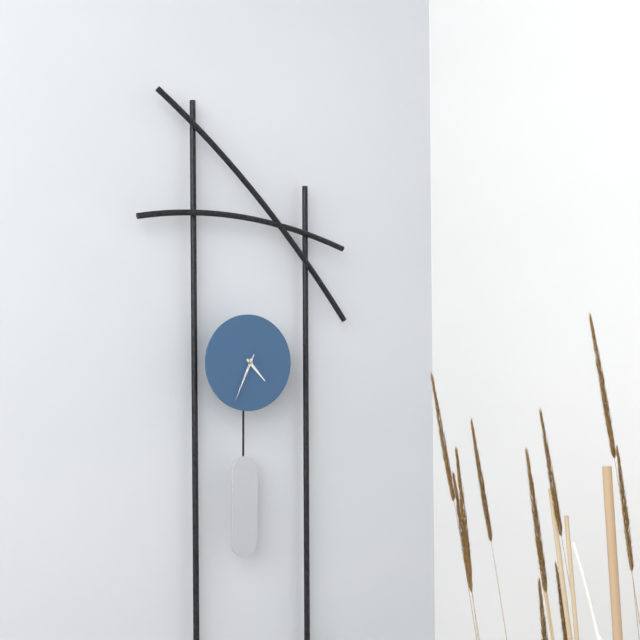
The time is 4h34m34s
